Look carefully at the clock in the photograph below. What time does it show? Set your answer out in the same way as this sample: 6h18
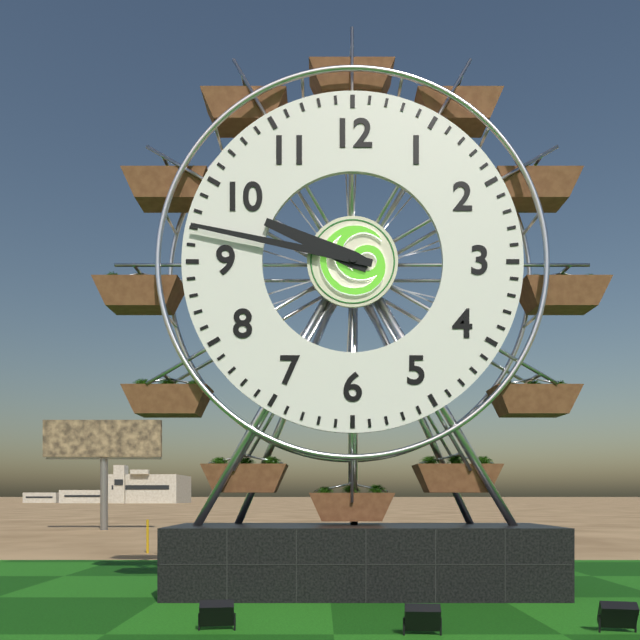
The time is 9h47
